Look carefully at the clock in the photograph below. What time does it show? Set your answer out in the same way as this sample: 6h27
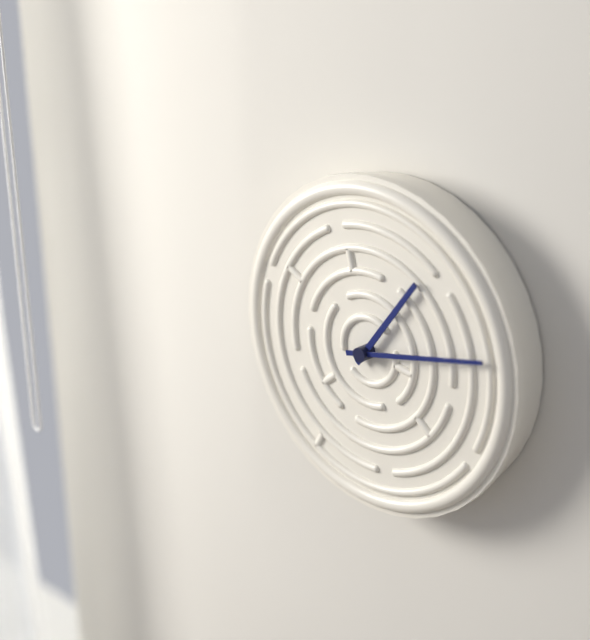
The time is 1h13
